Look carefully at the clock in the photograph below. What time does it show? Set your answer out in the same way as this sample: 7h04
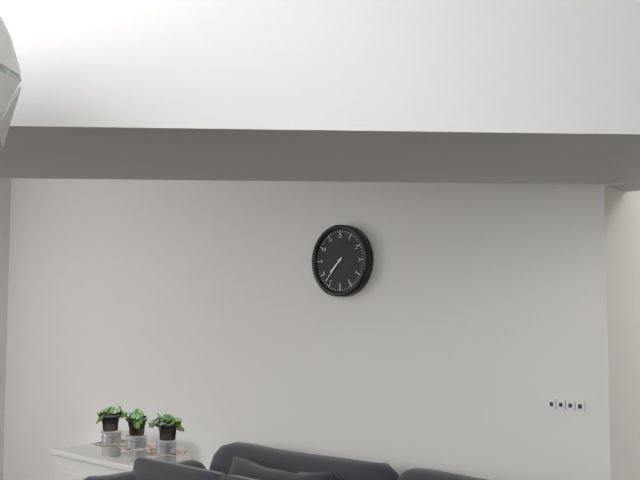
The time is 7h37
